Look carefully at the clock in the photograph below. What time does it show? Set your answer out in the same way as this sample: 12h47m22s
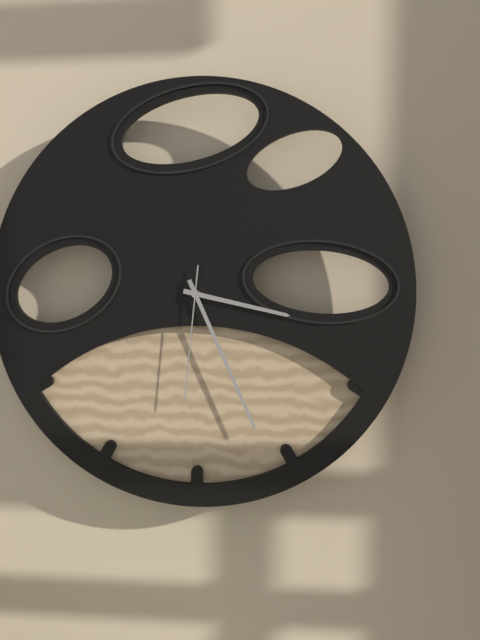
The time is 3h26m31s
